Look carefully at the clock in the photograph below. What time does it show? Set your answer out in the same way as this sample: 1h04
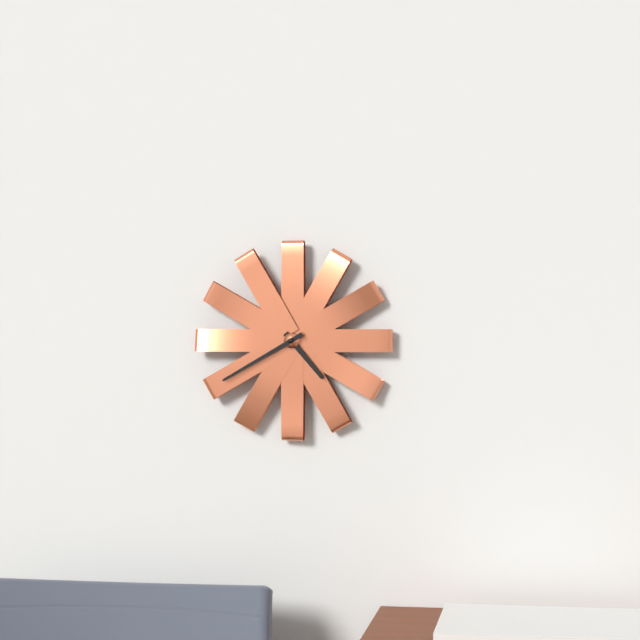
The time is 4h40
